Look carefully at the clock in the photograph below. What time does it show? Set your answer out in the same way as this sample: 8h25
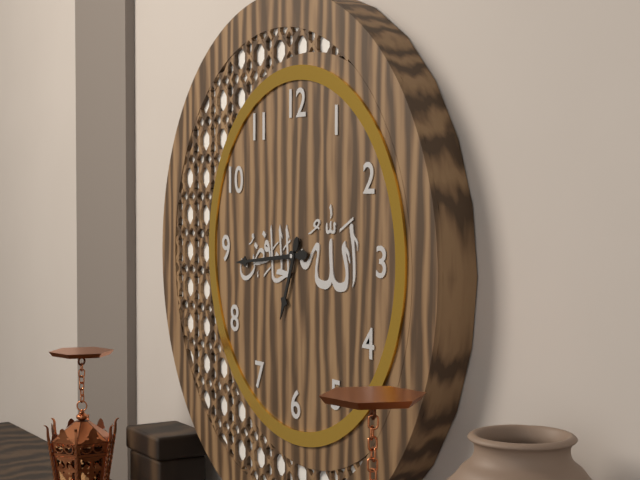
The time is 6h44
